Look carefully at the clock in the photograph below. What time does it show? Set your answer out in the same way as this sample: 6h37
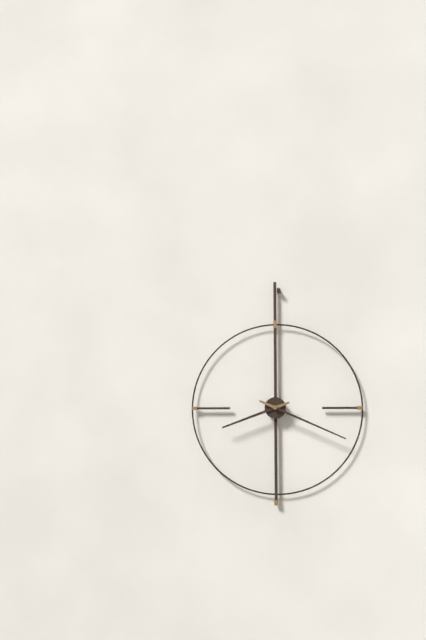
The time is 8h19
